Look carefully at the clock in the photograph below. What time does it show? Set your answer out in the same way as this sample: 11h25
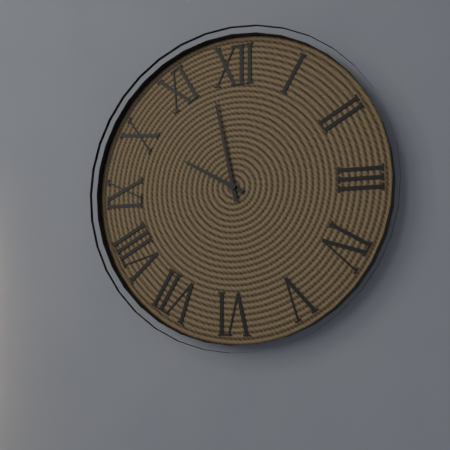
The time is 9h58
